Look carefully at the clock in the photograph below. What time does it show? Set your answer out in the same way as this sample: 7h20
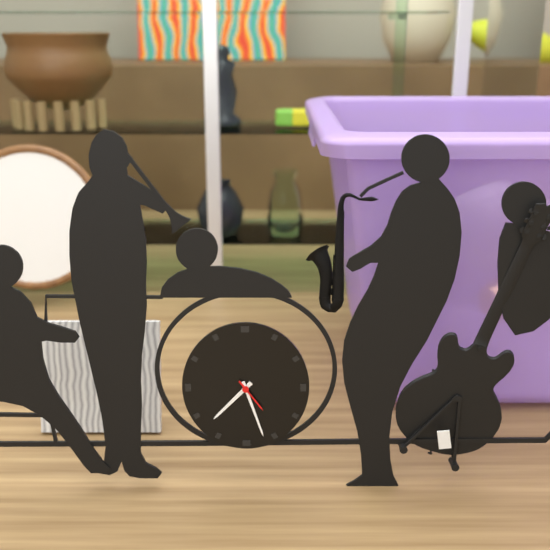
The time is 7h27
